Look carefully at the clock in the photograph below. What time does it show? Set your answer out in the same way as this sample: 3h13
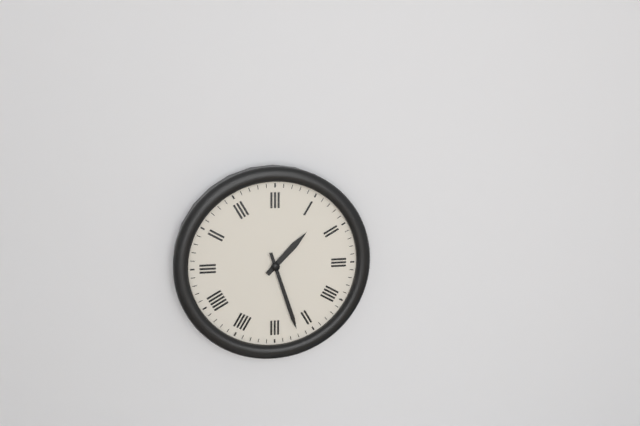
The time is 1h27
